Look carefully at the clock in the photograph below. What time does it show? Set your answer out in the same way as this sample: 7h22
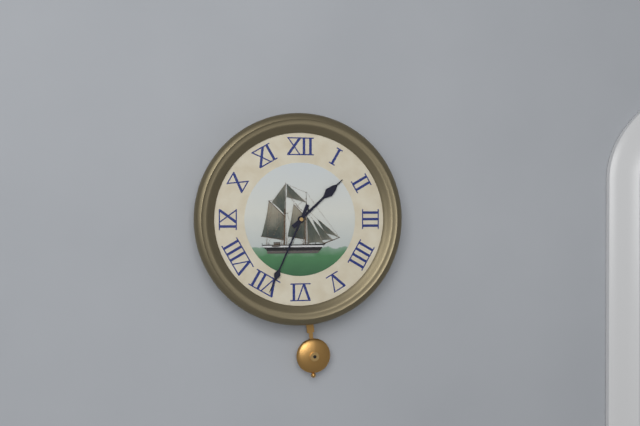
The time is 1h34
